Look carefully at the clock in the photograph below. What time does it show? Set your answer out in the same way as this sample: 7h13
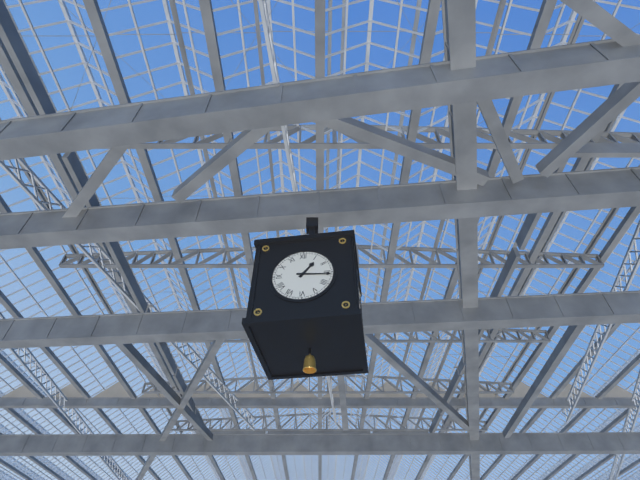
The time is 1h16
